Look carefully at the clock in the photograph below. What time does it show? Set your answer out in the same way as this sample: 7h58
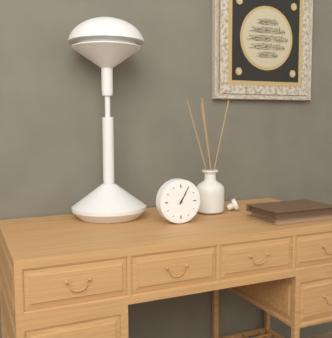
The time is 1h05
